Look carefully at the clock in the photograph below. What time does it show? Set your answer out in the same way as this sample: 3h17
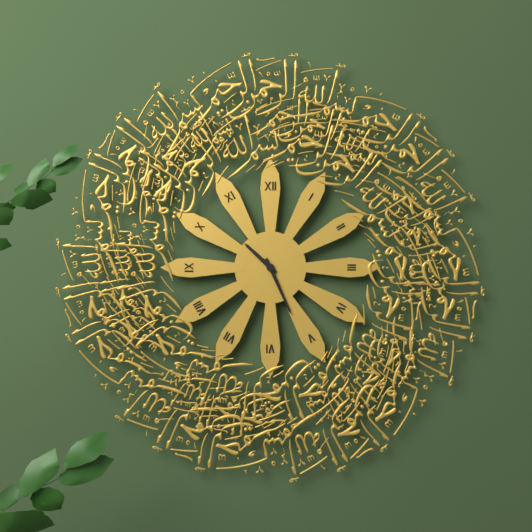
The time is 10h26
